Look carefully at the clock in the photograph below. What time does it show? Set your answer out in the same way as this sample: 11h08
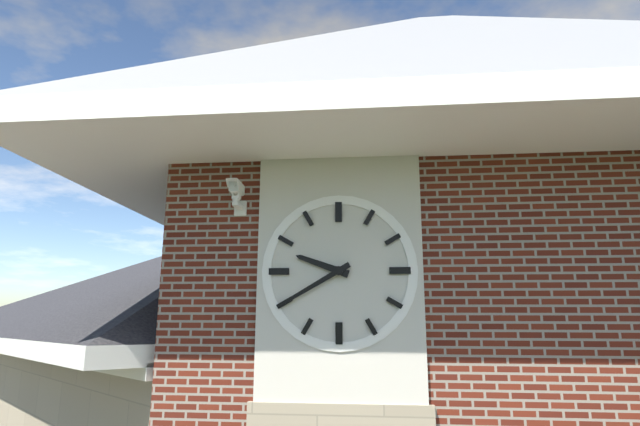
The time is 9h40
